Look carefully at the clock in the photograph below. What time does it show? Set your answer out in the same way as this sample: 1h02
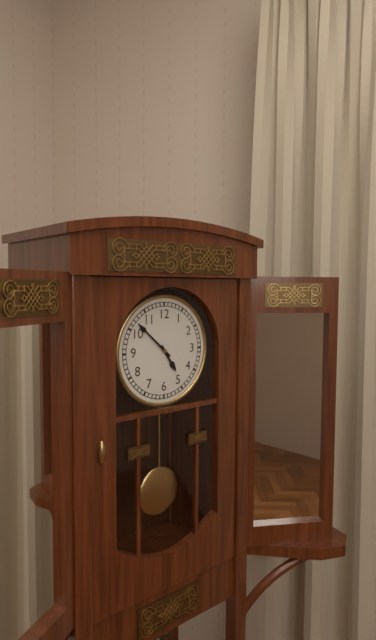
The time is 4h52
